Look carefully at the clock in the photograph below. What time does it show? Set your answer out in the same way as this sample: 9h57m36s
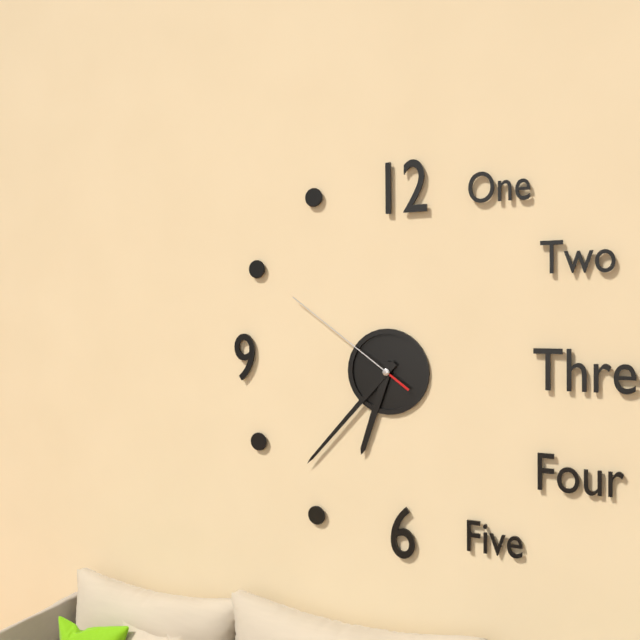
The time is 6h37m51s
